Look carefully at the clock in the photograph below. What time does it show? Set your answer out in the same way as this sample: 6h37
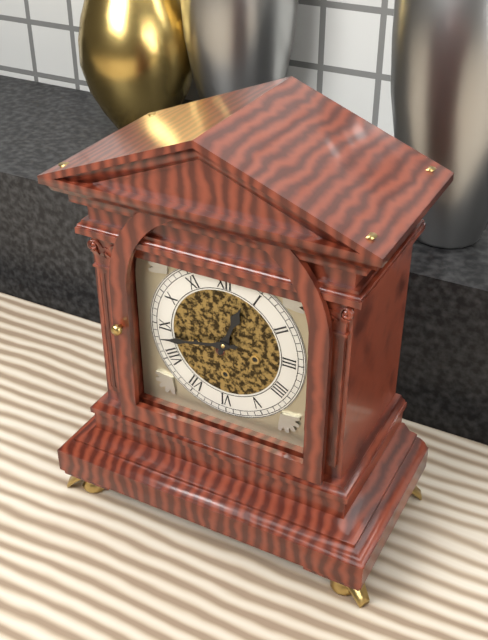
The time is 12h43
